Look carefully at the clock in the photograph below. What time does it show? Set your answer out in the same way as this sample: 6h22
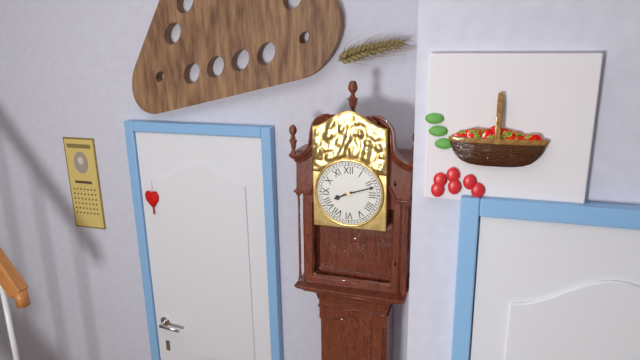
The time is 8h12
